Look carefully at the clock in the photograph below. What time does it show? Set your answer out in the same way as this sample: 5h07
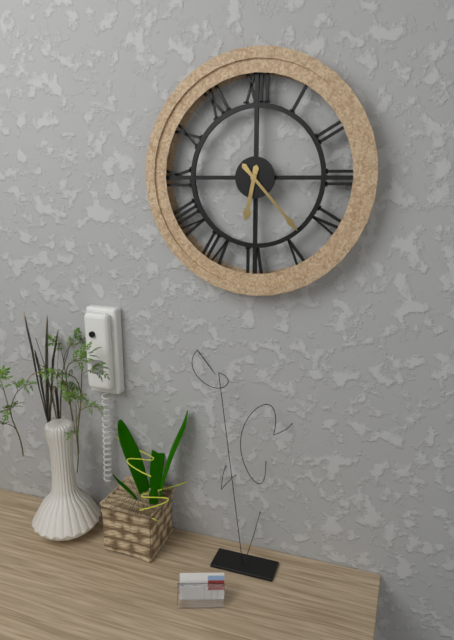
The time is 6h23
